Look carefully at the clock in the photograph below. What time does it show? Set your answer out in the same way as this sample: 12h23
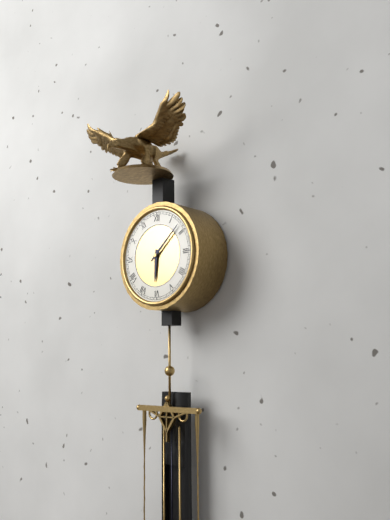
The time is 6h08
